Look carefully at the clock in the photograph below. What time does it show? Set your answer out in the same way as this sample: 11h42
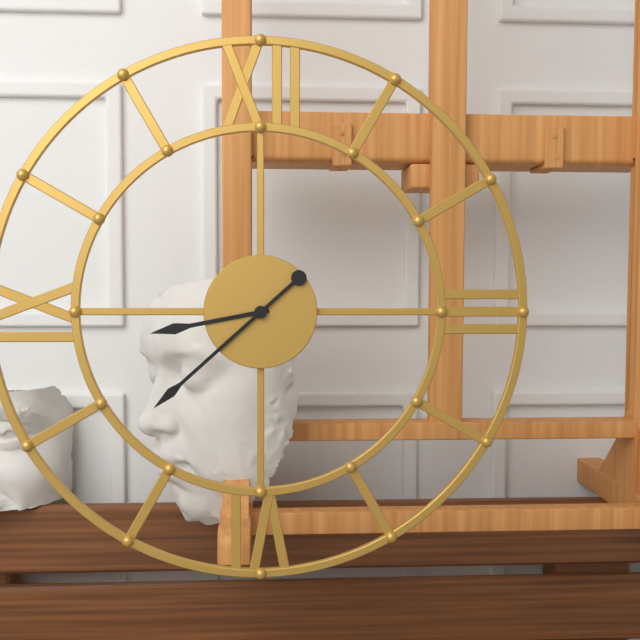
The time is 8h38
